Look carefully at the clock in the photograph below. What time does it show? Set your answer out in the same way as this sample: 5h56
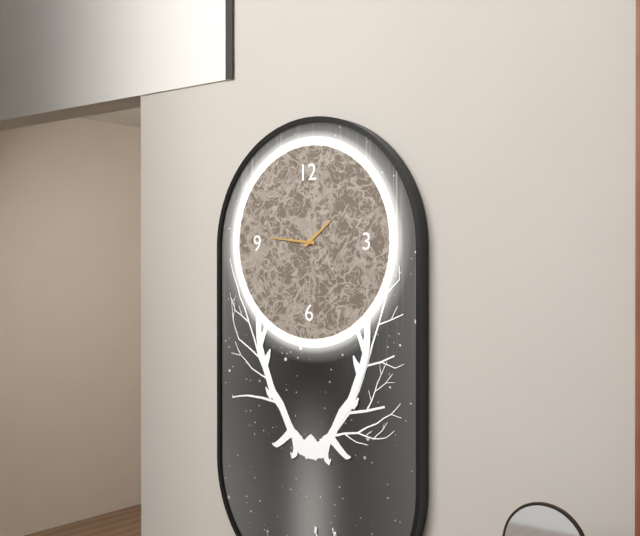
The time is 1h46
